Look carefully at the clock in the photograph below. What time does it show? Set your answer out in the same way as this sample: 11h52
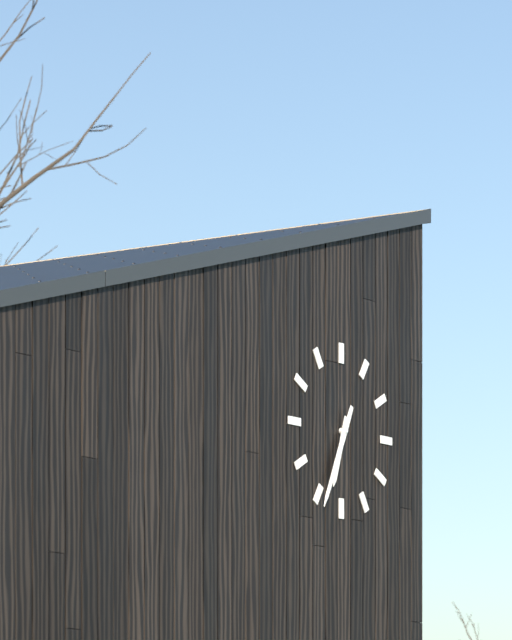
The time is 6h34
